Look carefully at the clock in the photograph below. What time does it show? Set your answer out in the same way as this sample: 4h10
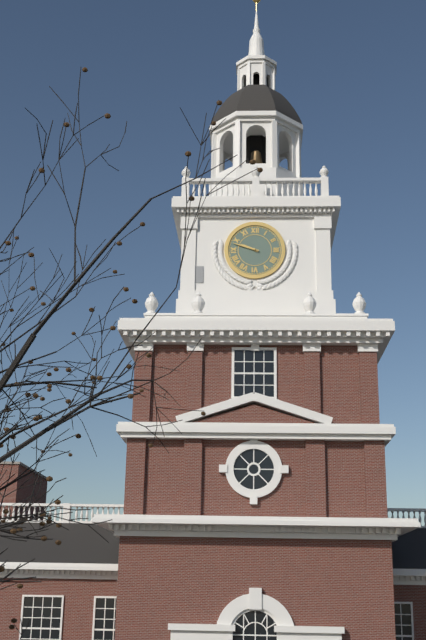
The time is 9h48
